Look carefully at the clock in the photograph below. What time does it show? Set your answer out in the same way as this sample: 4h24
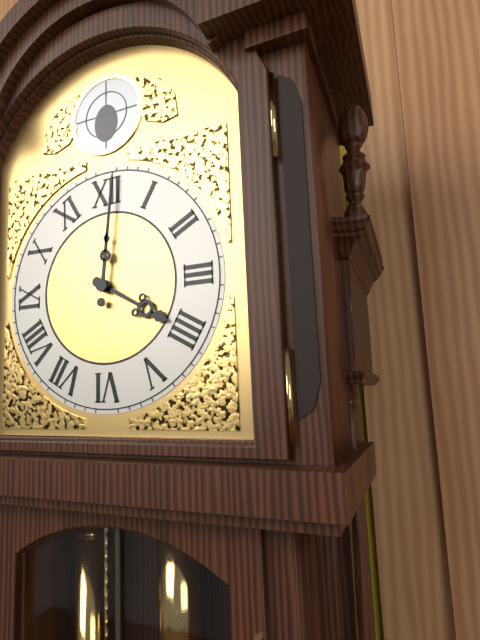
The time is 4h01
